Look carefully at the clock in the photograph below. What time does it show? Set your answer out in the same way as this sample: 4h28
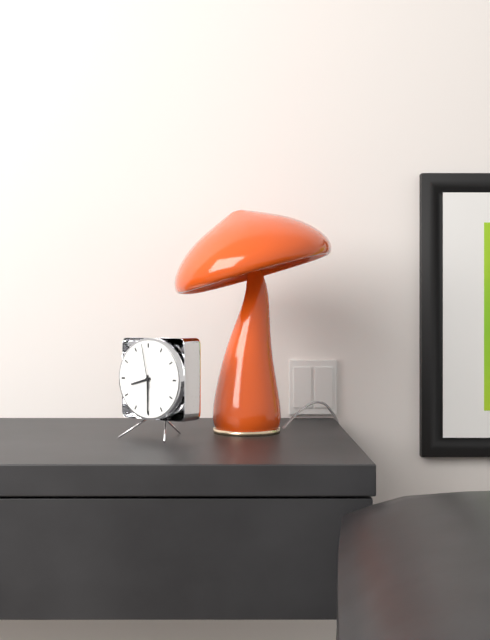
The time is 8h30
